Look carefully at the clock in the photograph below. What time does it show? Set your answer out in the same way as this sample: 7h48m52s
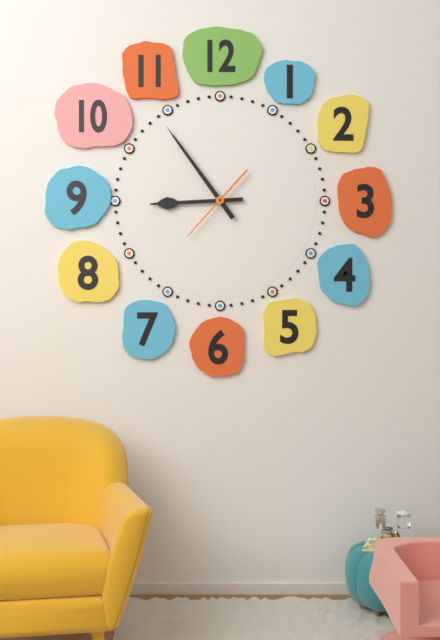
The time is 8h54m37s
